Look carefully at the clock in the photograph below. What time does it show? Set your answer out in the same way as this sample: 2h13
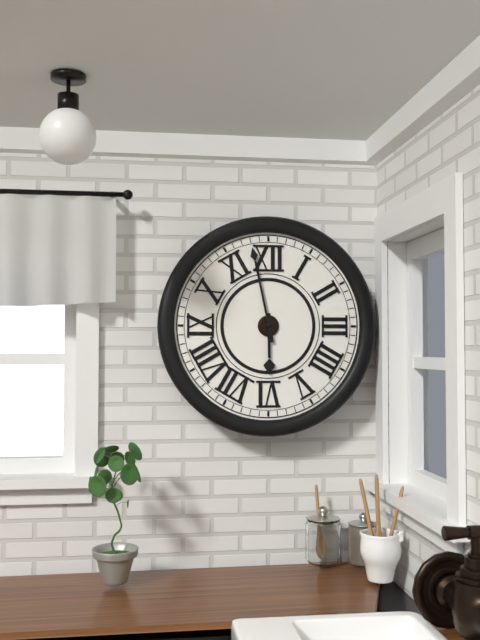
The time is 5h58
